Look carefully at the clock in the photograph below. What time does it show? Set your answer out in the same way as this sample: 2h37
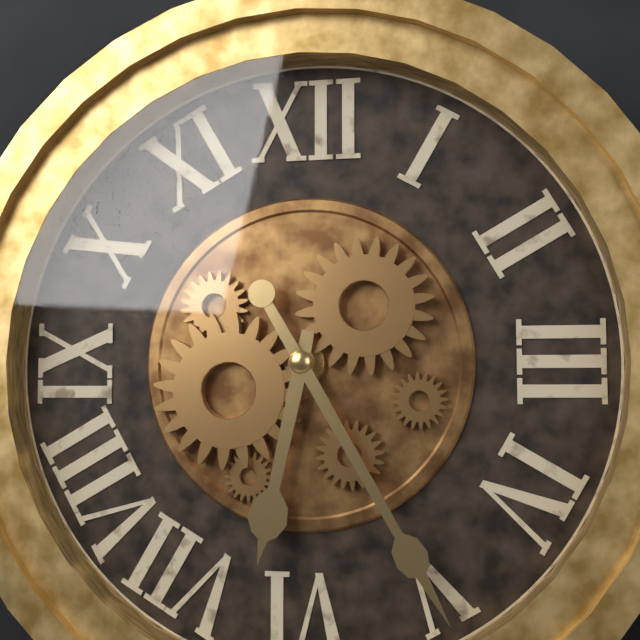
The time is 6h25
